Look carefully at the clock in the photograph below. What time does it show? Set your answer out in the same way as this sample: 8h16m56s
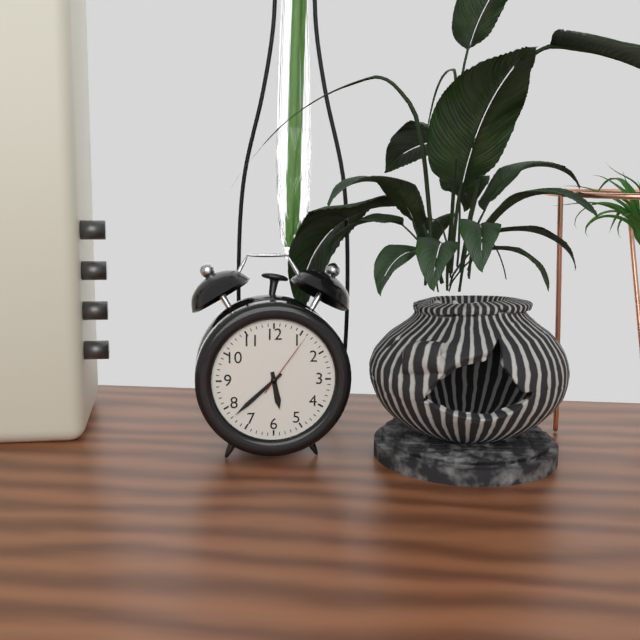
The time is 5h38m06s
